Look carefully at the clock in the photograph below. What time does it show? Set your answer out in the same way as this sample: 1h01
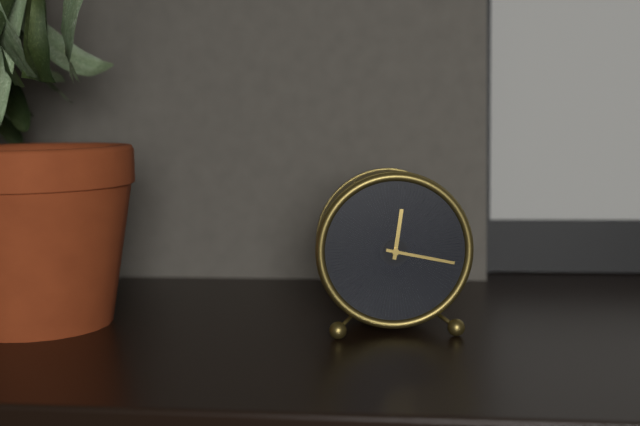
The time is 12h17
